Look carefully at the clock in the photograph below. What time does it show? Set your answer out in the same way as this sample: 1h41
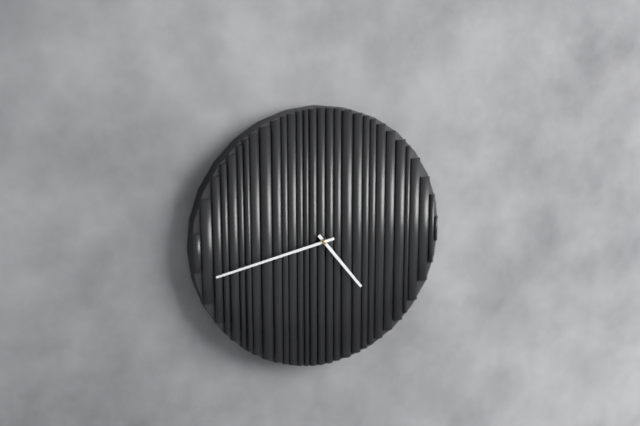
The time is 4h43
